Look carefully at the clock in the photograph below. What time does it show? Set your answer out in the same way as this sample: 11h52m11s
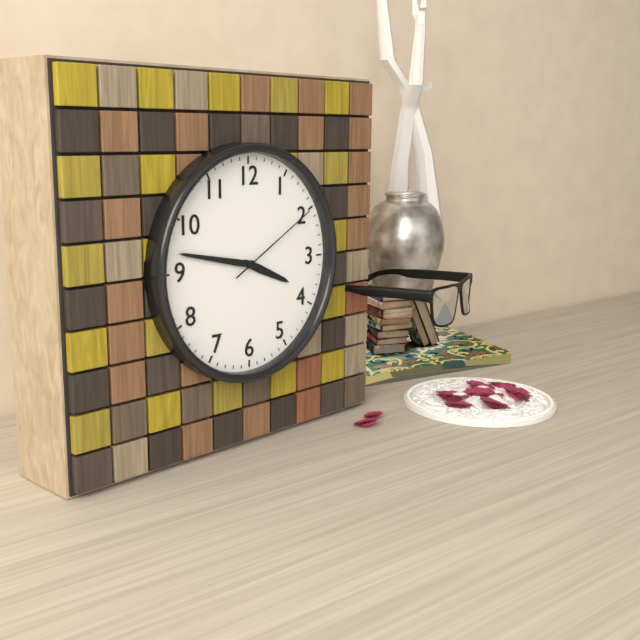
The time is 3h47m10s
